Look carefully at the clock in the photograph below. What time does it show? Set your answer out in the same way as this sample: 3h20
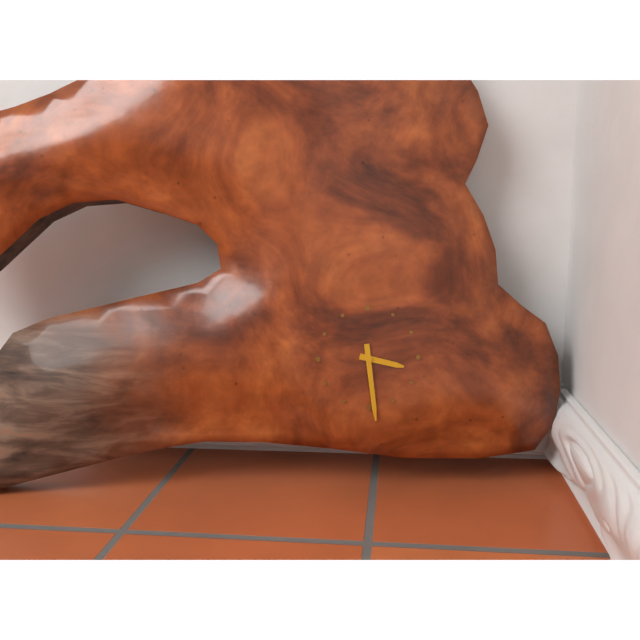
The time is 3h29
